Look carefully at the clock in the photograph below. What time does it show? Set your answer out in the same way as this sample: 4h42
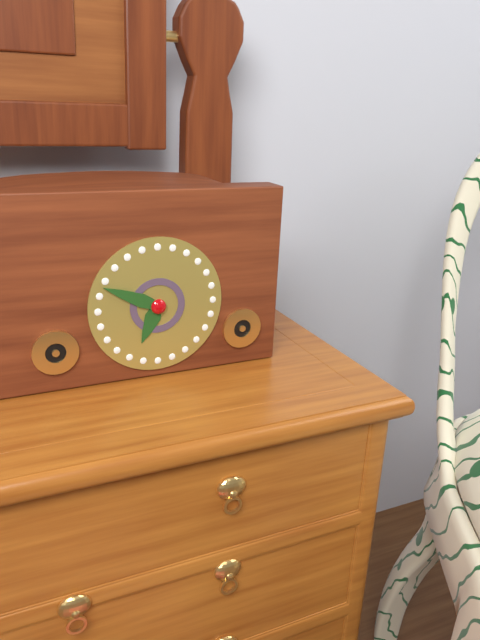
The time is 6h49
